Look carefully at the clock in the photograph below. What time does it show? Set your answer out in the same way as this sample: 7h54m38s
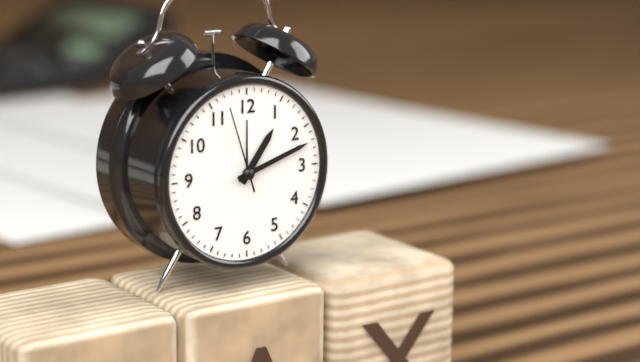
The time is 1h12m57s
